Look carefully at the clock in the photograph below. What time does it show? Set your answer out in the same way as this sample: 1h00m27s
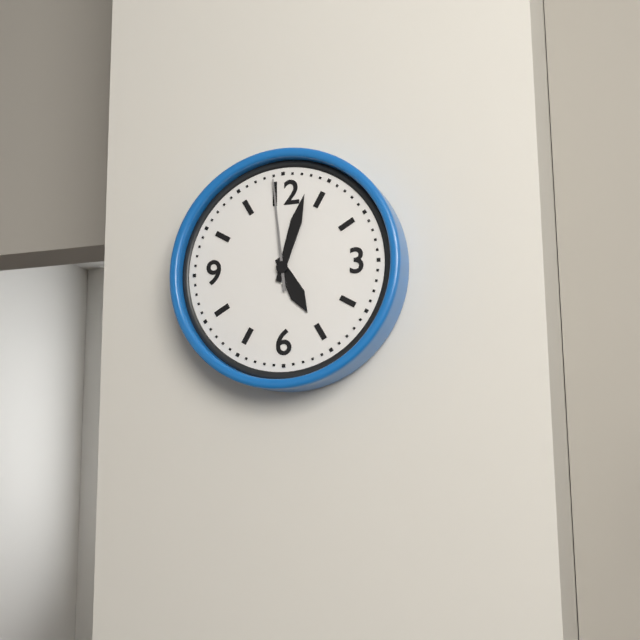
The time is 5h03m59s
